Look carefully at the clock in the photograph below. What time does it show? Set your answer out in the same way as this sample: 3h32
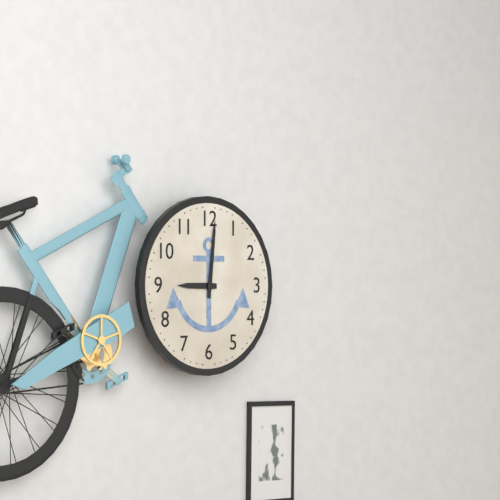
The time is 9h01
